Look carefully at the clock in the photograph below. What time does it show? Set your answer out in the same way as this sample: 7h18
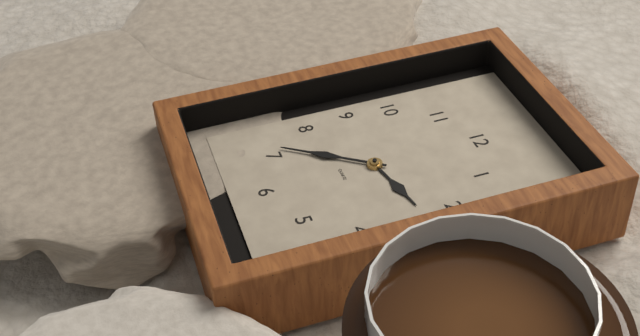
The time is 2h36
